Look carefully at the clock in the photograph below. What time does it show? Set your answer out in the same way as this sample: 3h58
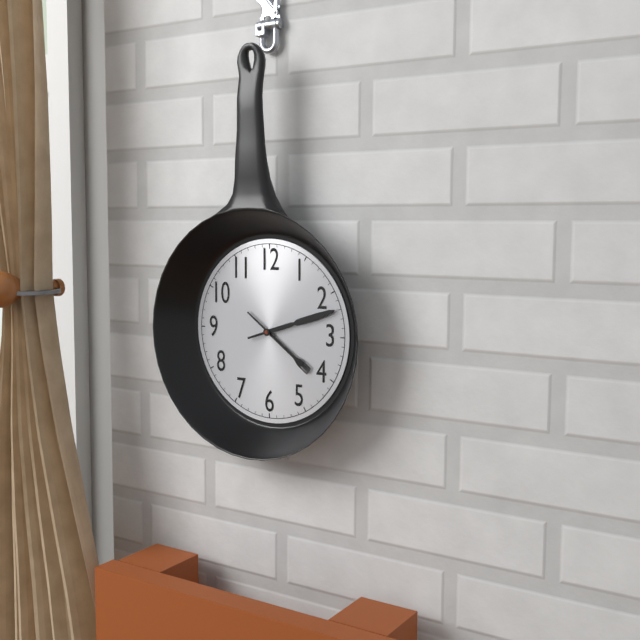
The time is 4h12
